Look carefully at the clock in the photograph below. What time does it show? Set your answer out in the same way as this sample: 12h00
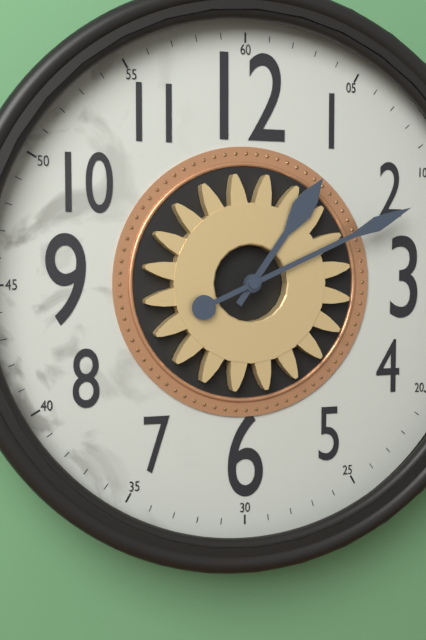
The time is 1h11
